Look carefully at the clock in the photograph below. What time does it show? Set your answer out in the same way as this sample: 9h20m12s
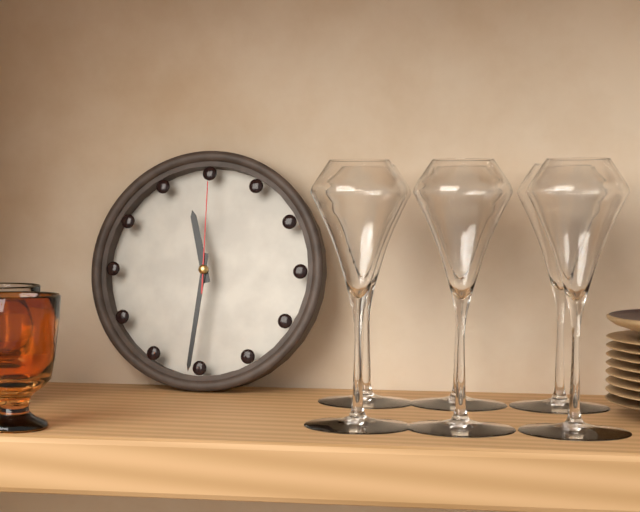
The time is 11h31m00s
